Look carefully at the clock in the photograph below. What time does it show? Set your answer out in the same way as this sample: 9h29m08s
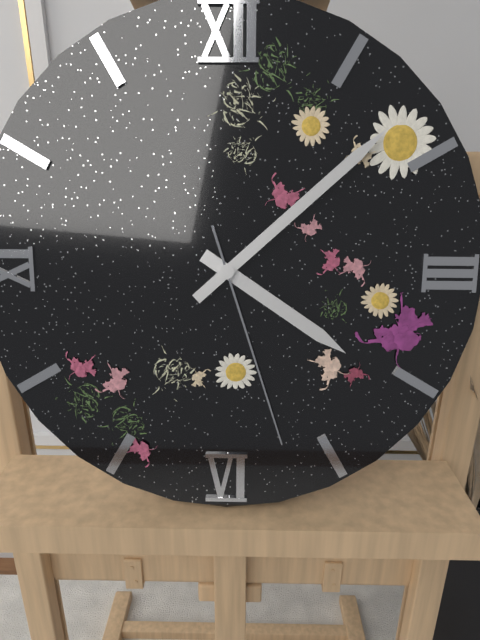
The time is 4h08m27s
